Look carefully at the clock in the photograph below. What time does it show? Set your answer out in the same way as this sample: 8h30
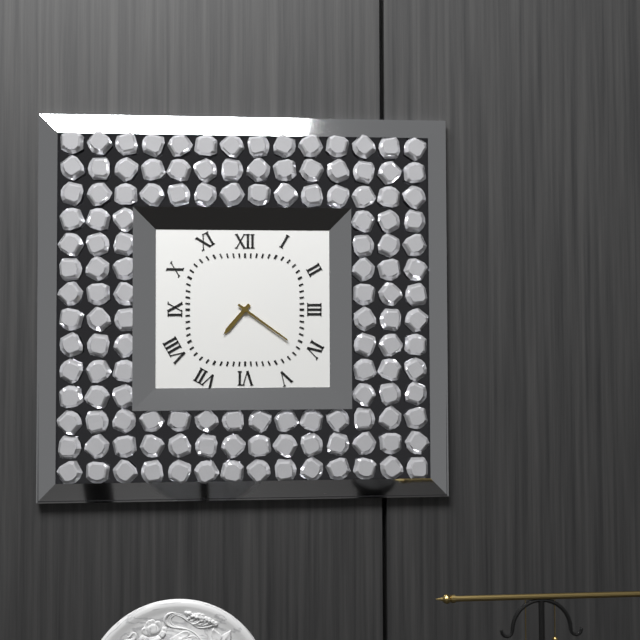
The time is 7h21
